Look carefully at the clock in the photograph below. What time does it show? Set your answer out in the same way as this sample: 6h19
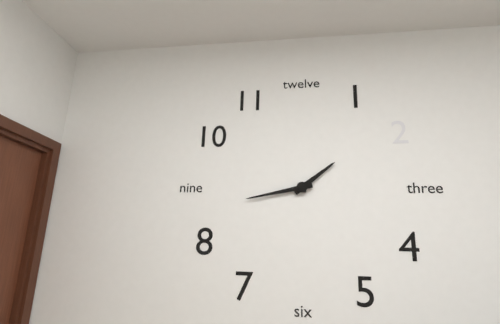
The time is 1h43
